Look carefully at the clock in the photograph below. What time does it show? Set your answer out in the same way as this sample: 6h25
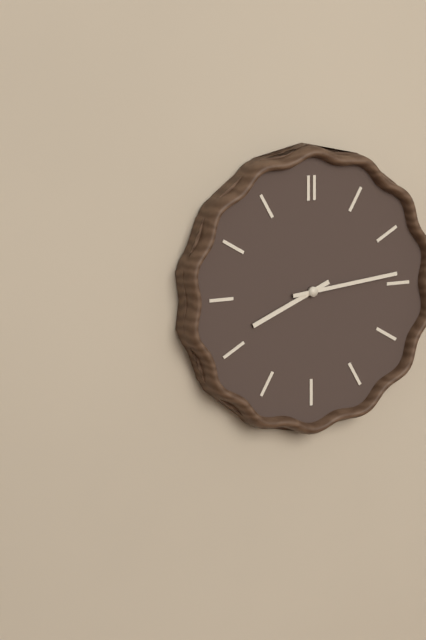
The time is 8h14
